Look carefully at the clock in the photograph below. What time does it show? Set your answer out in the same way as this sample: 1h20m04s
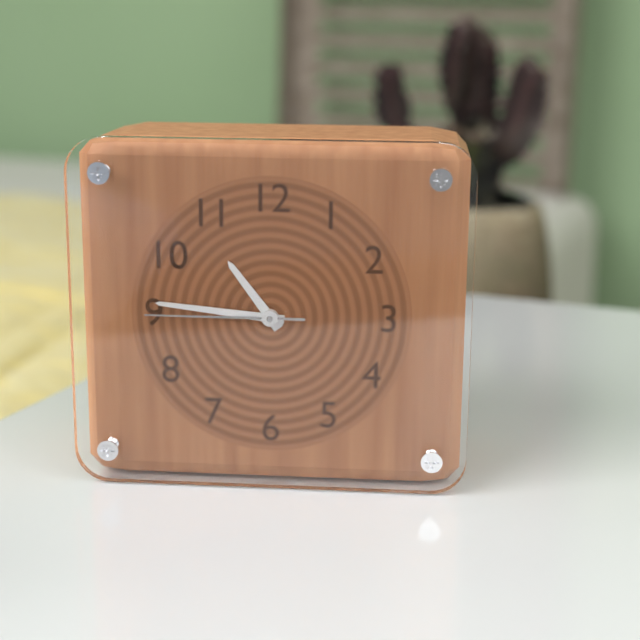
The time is 10h46m45s
